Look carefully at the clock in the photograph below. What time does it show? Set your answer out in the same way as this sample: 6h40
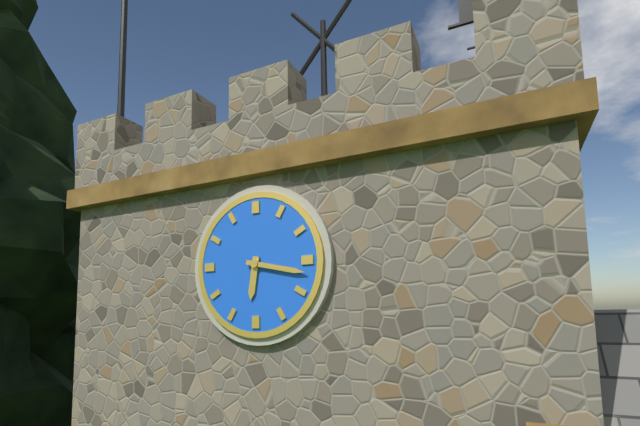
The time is 6h17
